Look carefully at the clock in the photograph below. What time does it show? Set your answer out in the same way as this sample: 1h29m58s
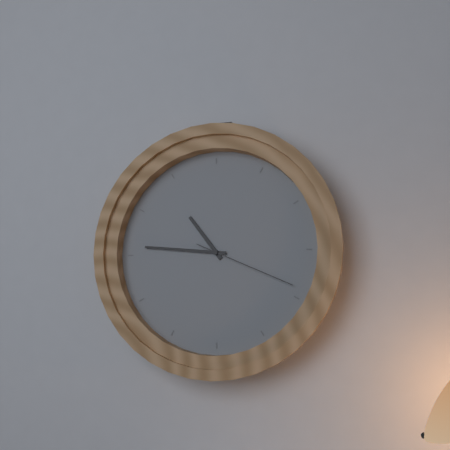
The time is 10h46m19s
